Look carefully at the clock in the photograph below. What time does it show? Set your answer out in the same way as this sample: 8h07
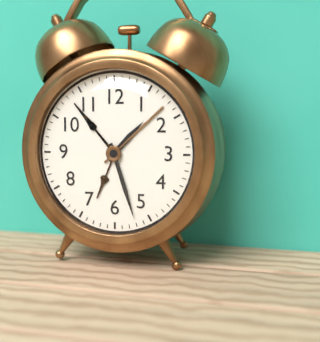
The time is 1h27
